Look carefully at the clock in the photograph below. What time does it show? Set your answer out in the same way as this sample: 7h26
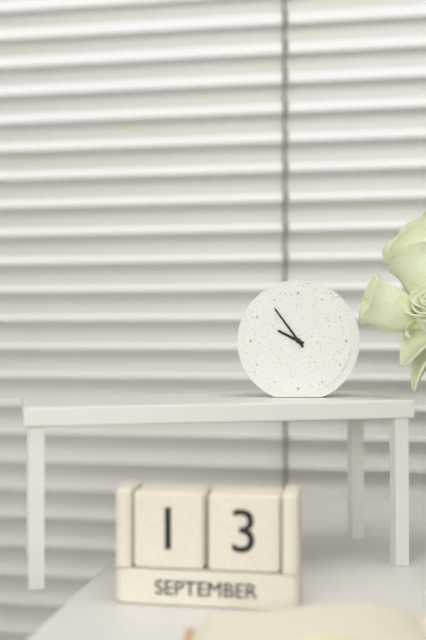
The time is 9h54
